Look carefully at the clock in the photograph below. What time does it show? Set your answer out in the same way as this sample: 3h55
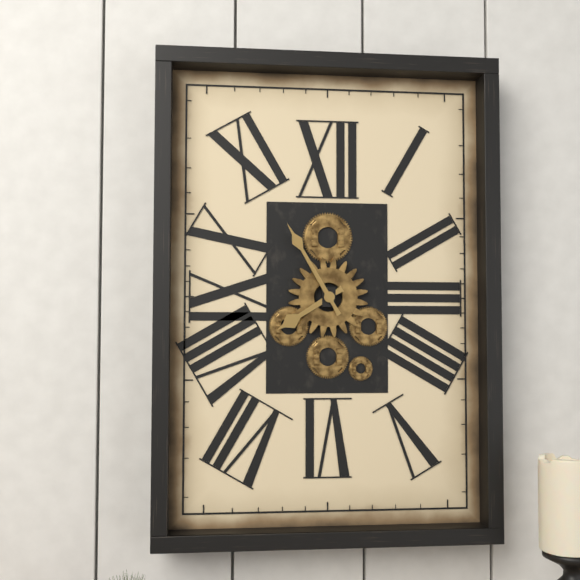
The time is 7h55
